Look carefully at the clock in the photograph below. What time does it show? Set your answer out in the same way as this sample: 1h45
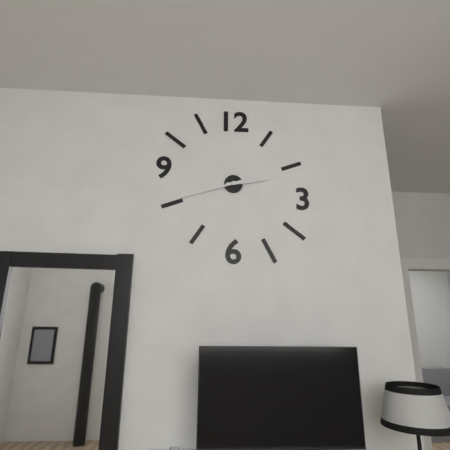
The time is 2h42
